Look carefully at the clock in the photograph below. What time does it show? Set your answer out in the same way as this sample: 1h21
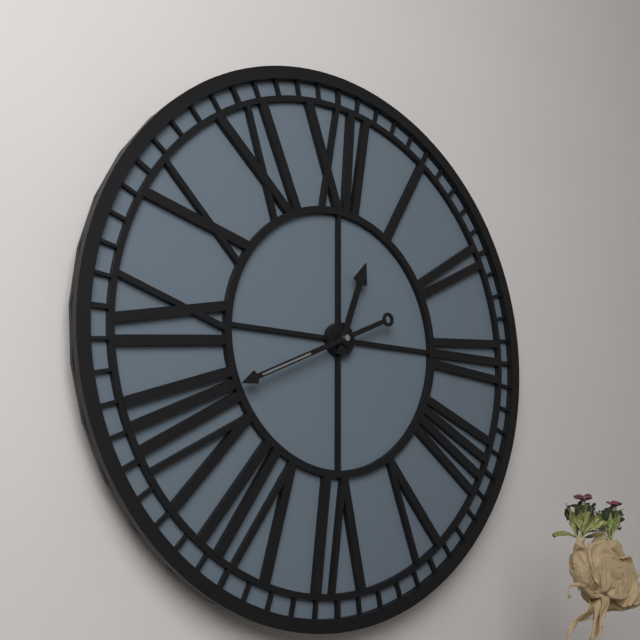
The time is 12h41
